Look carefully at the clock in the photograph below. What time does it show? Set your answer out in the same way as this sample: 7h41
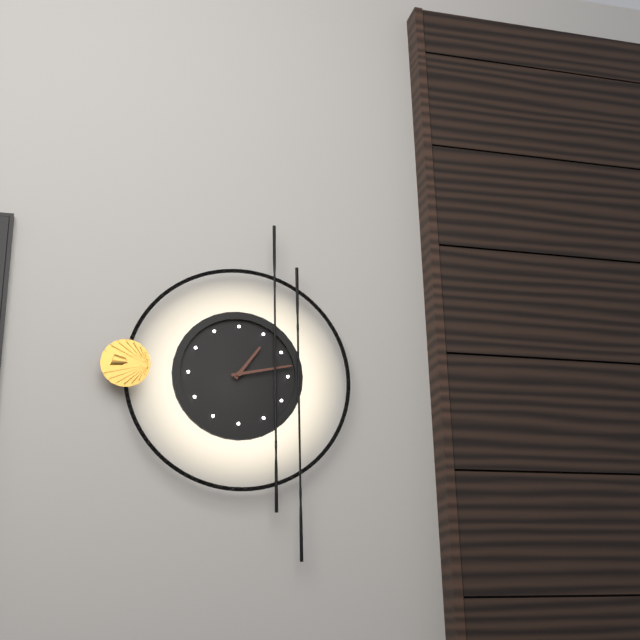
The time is 1h13
